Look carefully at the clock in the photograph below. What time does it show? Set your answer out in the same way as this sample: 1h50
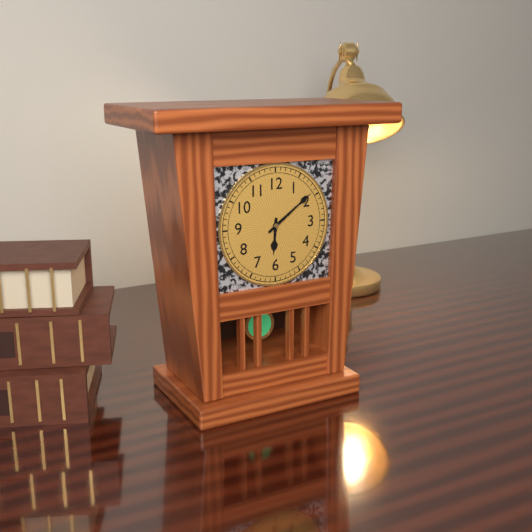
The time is 6h09
